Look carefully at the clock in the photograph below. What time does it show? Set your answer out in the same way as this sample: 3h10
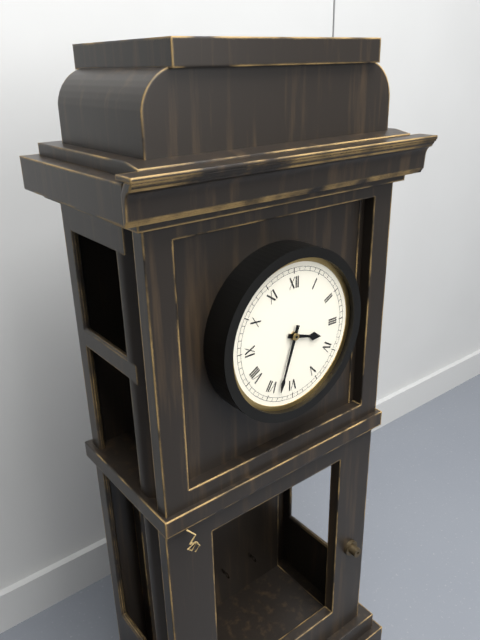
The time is 3h33
